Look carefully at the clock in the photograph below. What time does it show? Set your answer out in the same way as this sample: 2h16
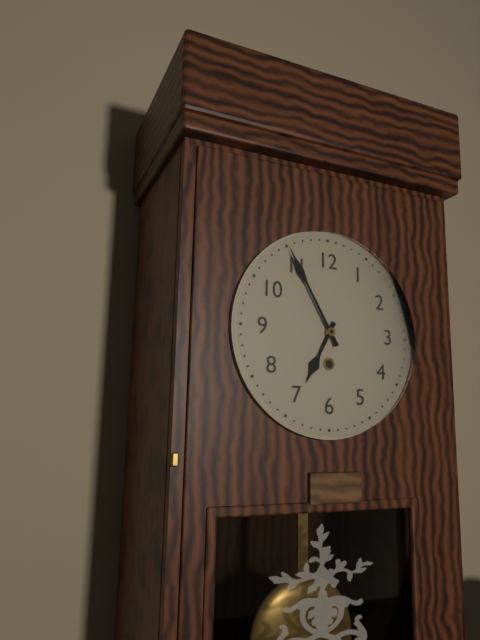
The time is 6h55
